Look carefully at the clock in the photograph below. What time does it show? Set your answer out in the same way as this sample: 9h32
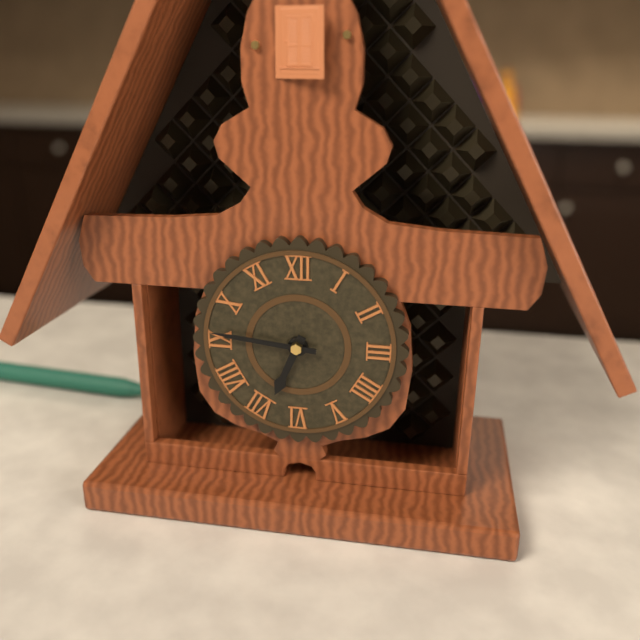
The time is 6h46
